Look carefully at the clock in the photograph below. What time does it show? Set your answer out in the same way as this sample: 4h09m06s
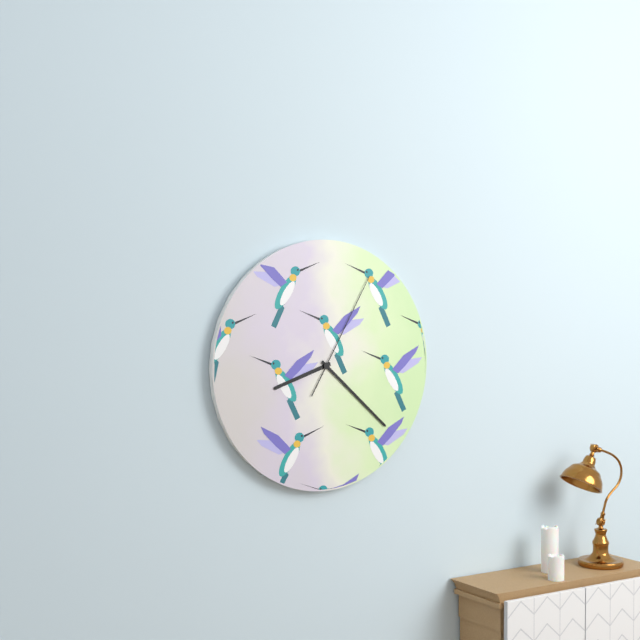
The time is 8h22m05s
